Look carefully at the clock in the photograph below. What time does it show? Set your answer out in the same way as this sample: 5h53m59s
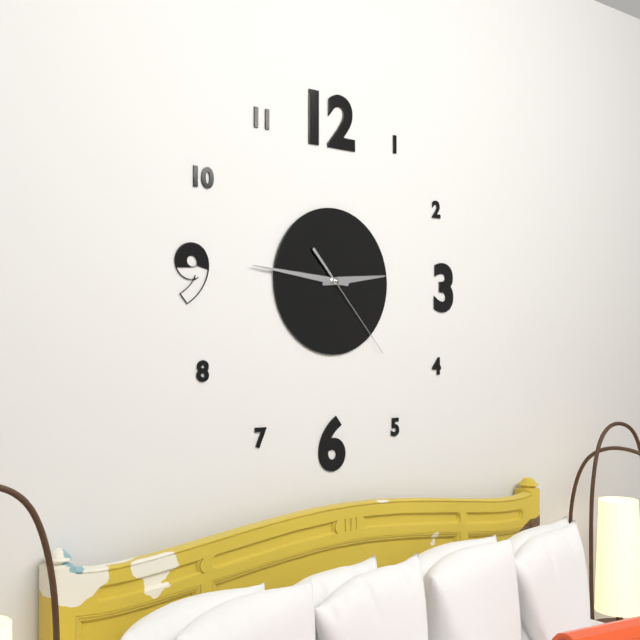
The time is 2h46m23s
